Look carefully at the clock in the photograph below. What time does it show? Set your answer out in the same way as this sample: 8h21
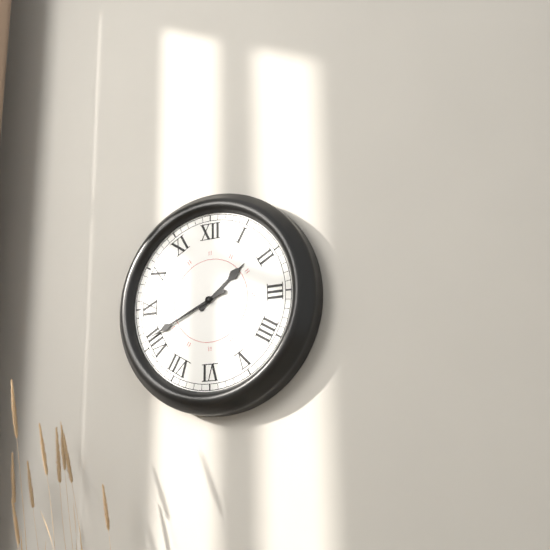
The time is 1h41
